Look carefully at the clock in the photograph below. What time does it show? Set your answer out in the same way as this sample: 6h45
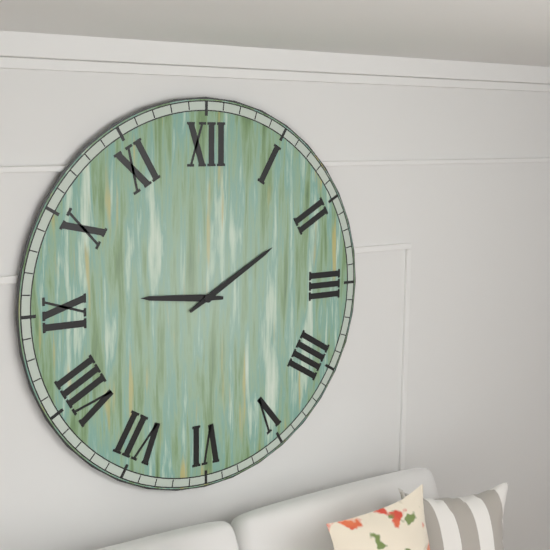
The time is 9h10
